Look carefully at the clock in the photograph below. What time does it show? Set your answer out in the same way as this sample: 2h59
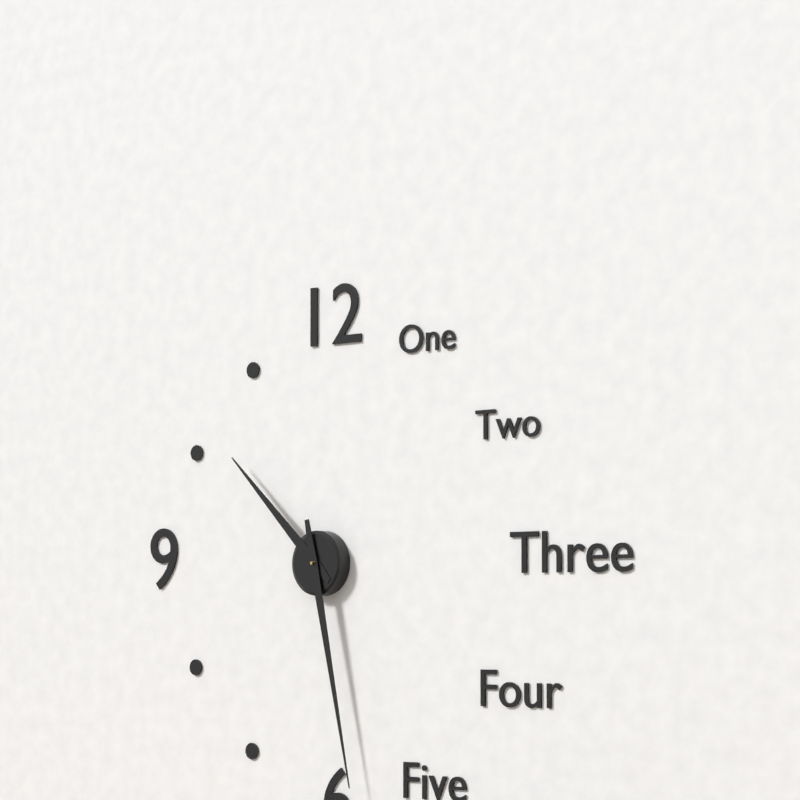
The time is 10h28
